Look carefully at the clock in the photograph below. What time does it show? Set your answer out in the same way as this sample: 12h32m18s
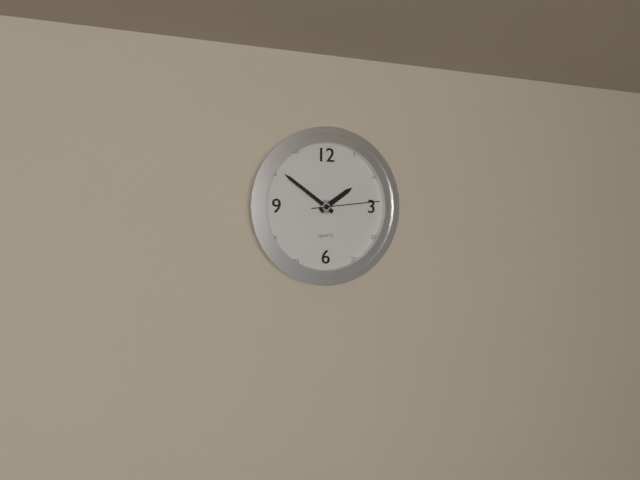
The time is 1h51m14s
